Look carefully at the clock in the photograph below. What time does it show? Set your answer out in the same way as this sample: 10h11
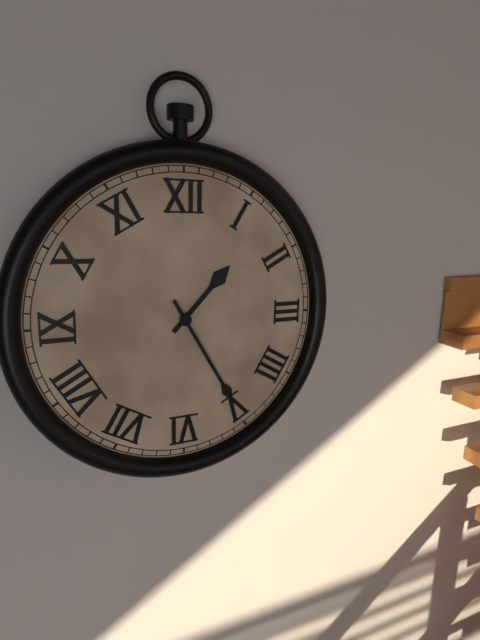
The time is 1h25
